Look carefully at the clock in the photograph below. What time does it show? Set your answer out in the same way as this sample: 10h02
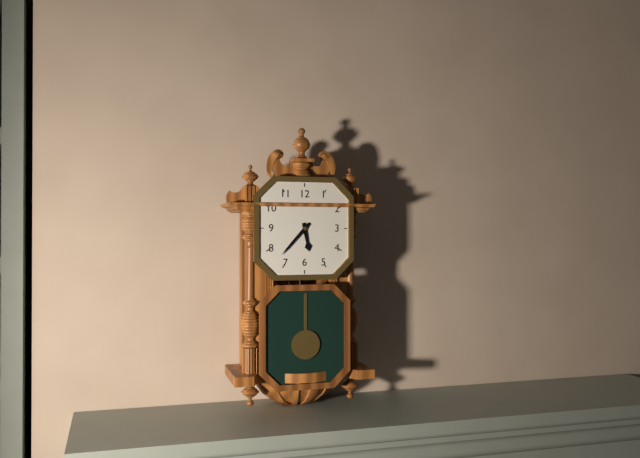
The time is 5h37
